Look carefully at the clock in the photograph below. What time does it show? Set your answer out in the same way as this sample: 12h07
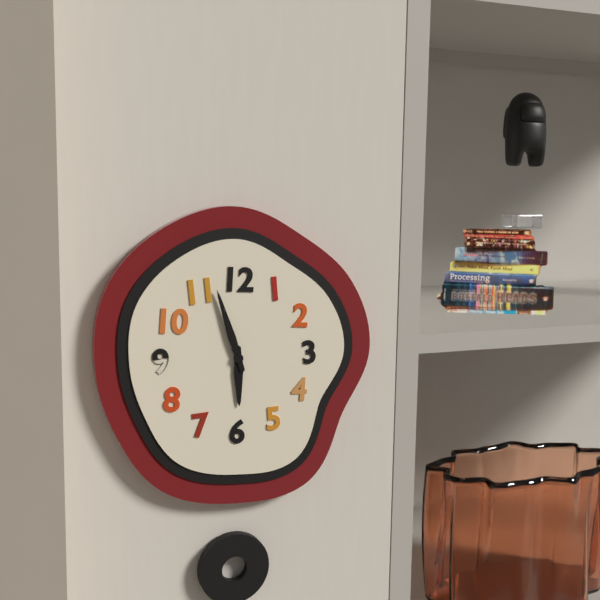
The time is 5h57
